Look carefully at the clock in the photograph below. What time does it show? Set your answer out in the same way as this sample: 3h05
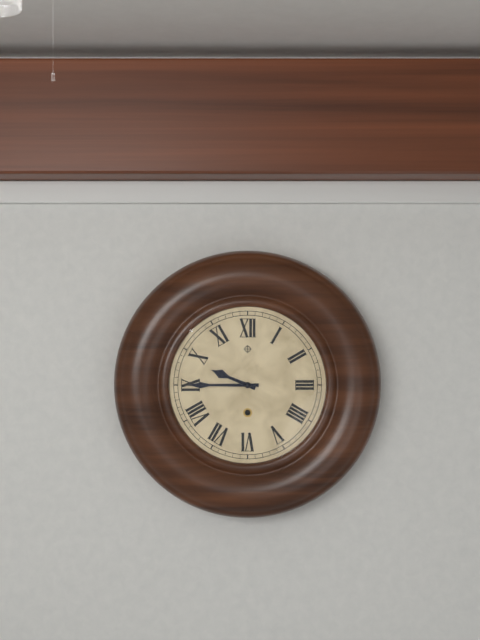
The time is 9h45
